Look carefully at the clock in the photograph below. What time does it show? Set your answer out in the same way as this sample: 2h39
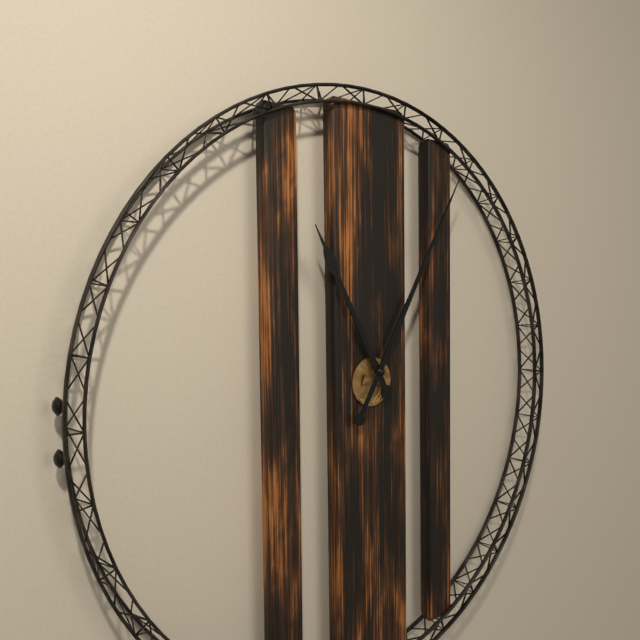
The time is 11h05
